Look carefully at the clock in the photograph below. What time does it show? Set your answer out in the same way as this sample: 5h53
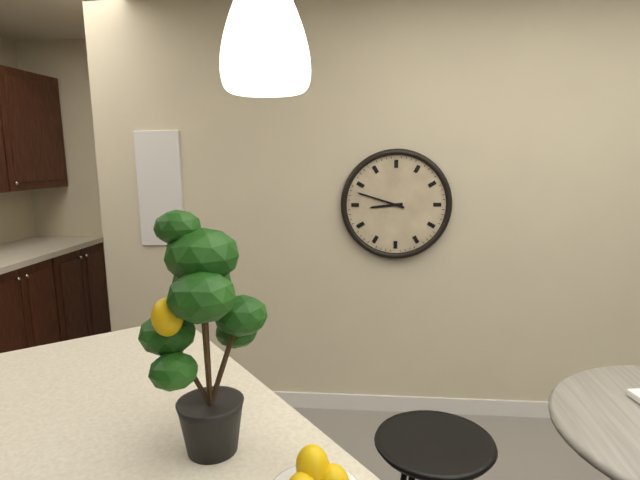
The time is 8h48
